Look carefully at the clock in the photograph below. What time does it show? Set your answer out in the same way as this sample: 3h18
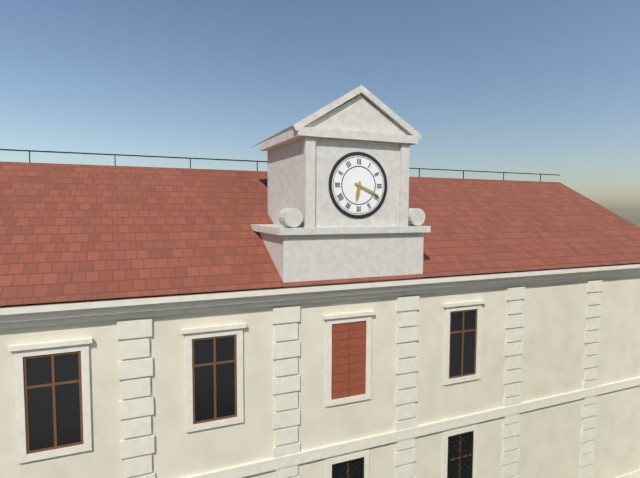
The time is 6h19
